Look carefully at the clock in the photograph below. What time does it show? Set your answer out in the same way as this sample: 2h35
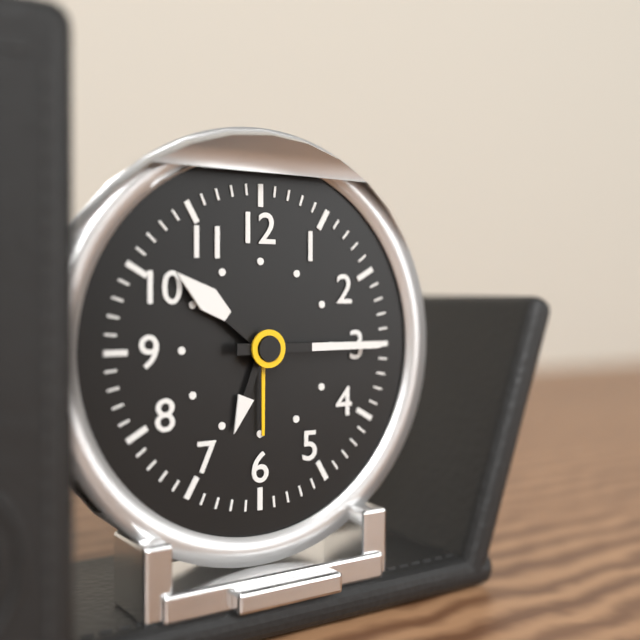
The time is 10h15
